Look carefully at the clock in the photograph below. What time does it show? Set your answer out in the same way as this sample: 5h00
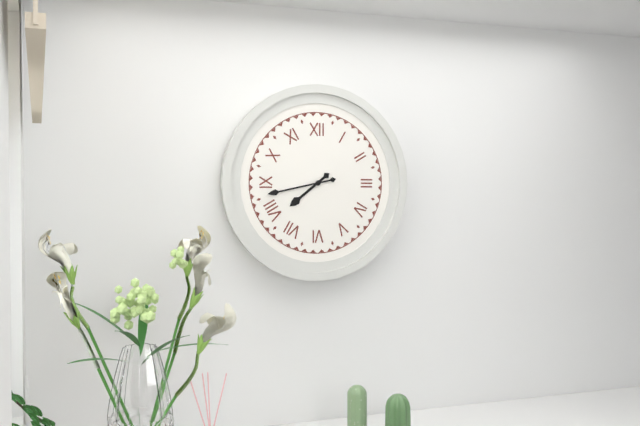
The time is 7h43
